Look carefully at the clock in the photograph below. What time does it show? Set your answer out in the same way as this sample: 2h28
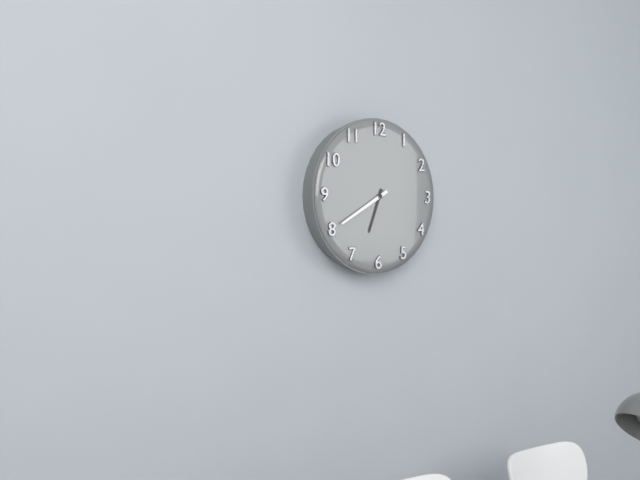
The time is 6h40
